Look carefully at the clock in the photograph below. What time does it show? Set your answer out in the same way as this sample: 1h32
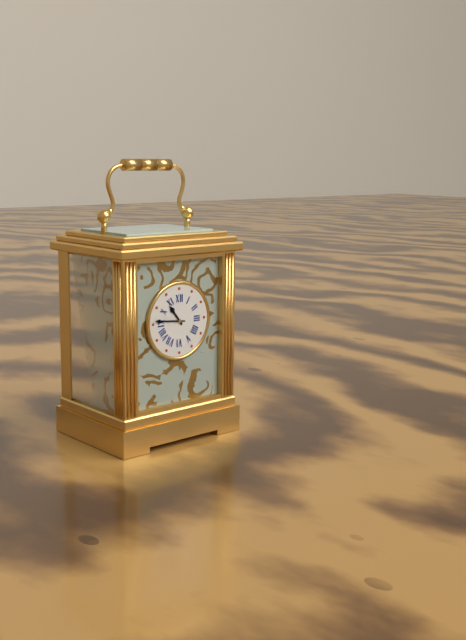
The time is 10h46
